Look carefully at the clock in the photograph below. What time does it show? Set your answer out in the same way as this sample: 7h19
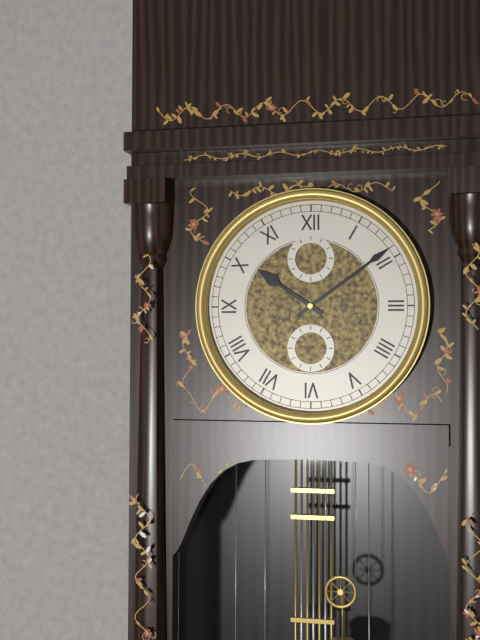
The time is 10h09
